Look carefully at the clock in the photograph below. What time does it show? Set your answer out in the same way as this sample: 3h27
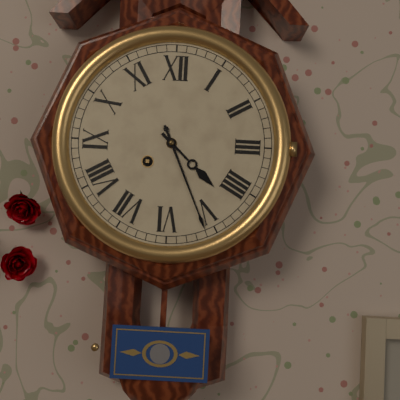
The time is 4h26
